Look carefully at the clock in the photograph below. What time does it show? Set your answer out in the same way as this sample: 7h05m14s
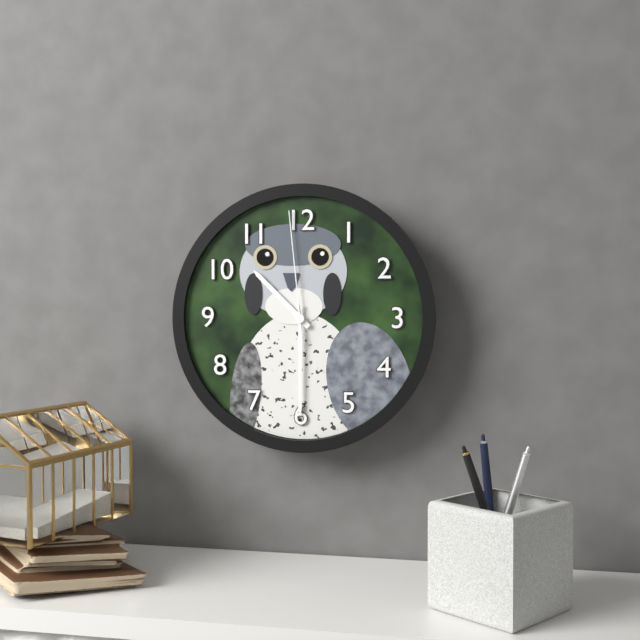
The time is 10h30m59s
